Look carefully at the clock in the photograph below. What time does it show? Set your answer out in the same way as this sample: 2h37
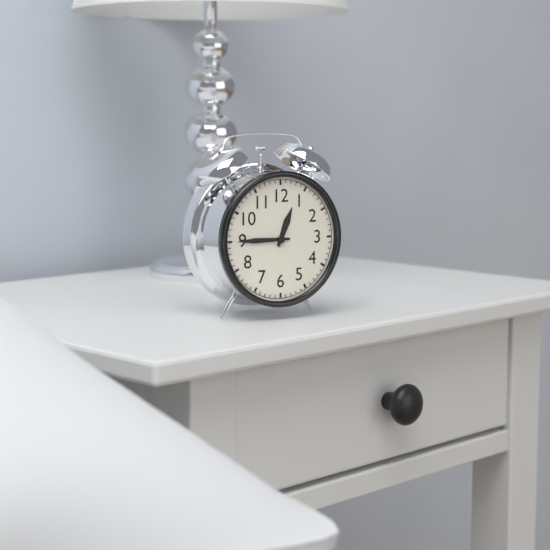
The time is 12h45
